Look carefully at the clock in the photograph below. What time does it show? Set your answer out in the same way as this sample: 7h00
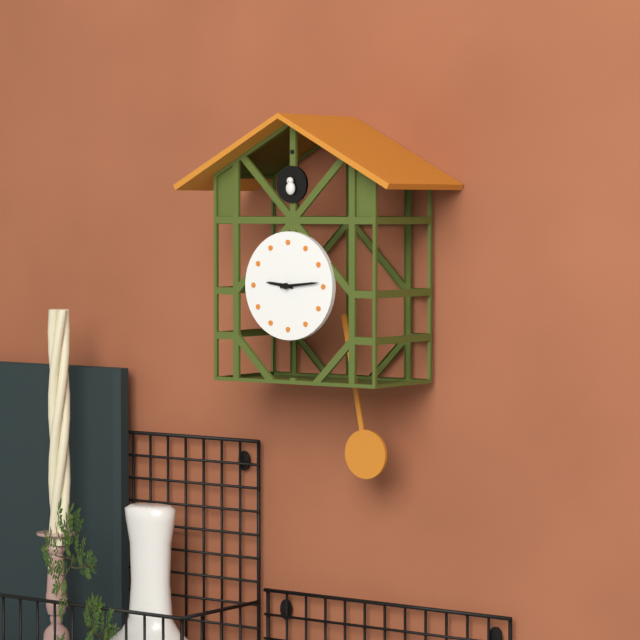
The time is 9h14
